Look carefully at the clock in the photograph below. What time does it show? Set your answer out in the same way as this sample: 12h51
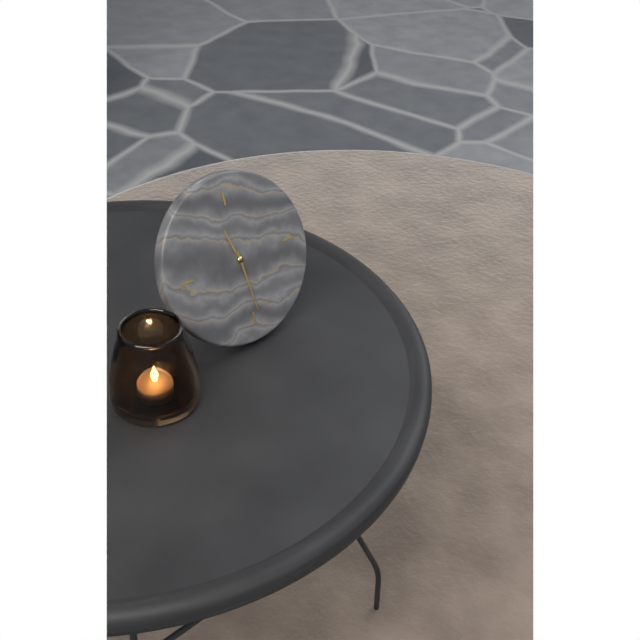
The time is 11h29
